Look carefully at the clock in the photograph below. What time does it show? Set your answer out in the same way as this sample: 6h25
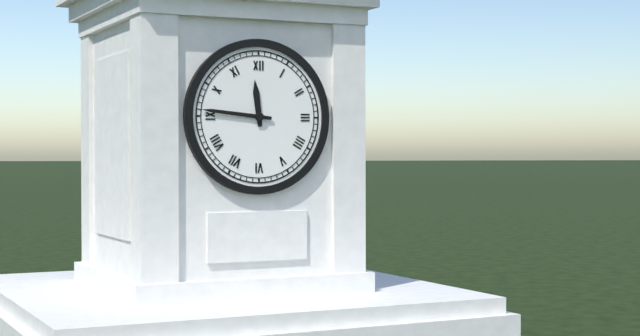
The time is 11h46
